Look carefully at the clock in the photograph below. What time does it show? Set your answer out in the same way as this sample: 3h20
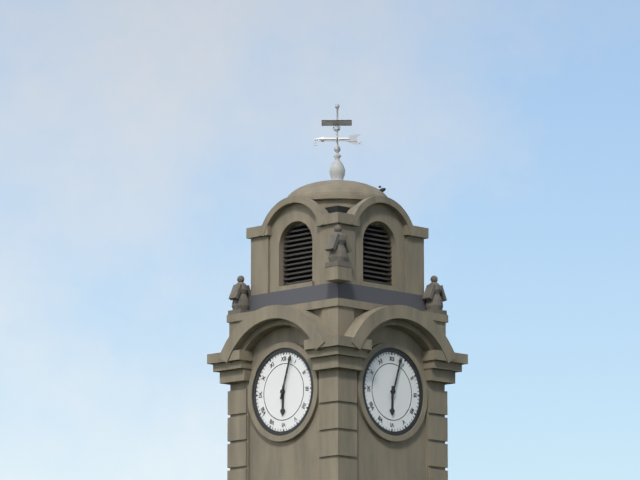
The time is 6h03
